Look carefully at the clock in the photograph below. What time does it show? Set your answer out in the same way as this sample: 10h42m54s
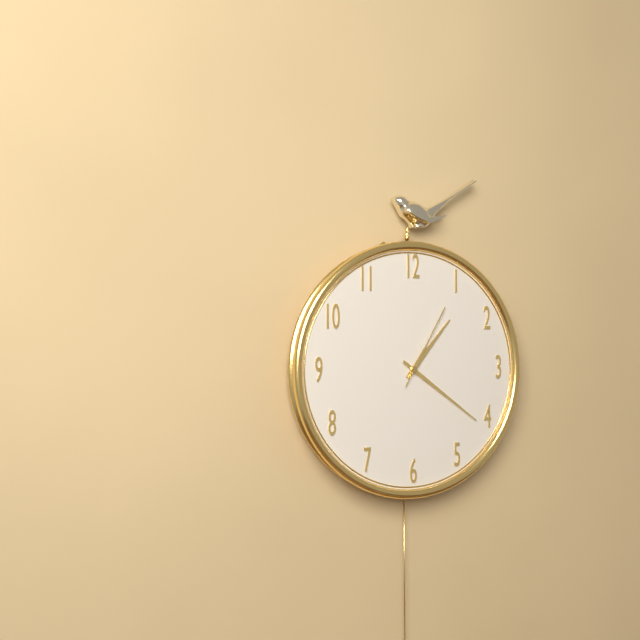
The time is 1h21m05s
